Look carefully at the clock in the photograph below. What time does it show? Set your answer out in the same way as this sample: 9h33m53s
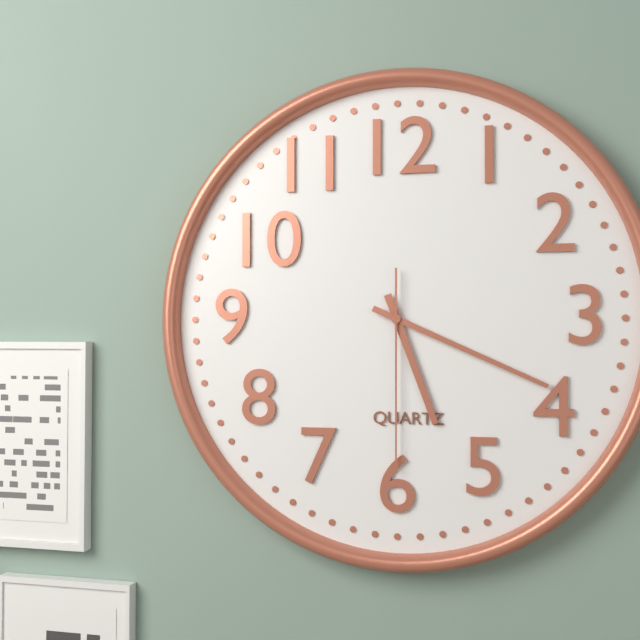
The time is 5h19m30s
